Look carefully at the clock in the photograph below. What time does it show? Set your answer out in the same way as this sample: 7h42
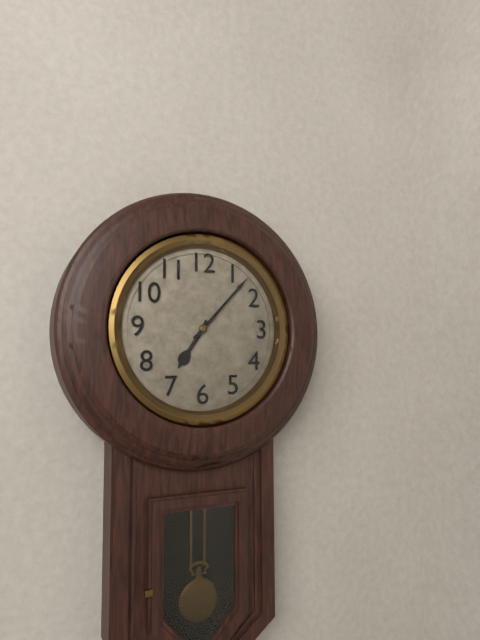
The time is 7h07
